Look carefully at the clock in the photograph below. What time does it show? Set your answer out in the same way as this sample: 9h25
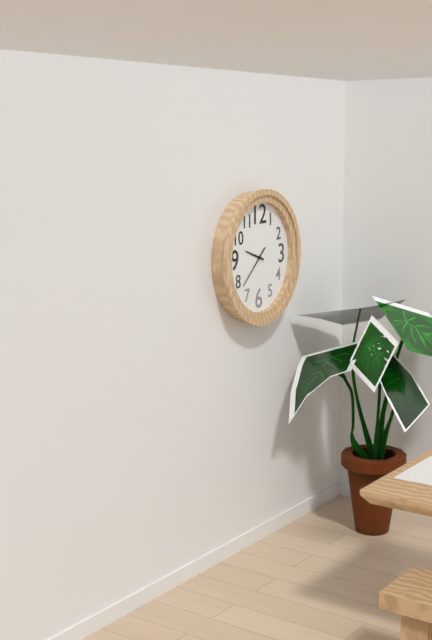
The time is 9h38
